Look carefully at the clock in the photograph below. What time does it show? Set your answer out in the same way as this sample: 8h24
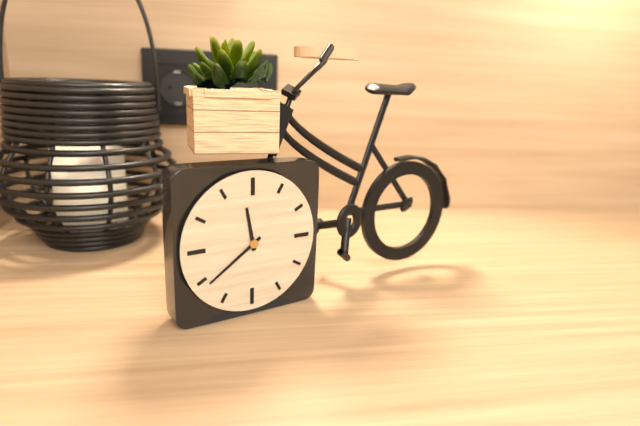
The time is 11h39
